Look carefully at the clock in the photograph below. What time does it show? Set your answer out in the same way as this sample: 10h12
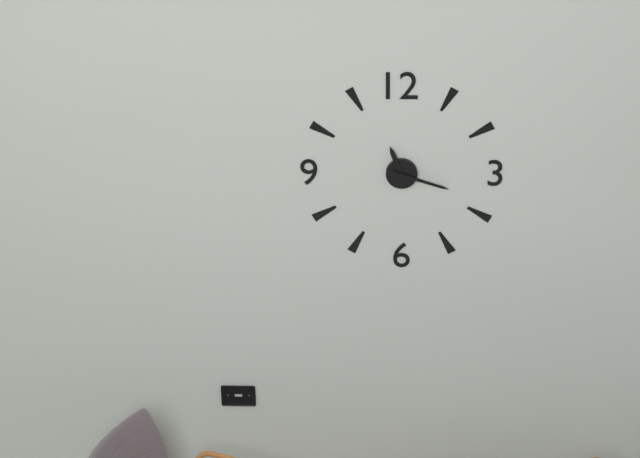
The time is 11h18
